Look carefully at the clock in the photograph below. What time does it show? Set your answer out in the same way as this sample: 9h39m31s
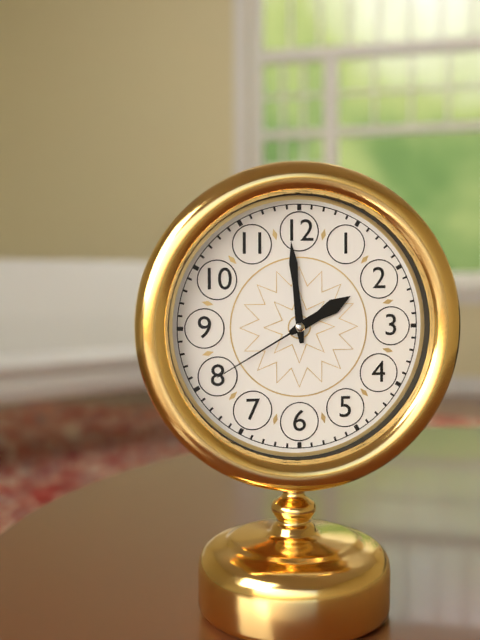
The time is 1h59m40s
